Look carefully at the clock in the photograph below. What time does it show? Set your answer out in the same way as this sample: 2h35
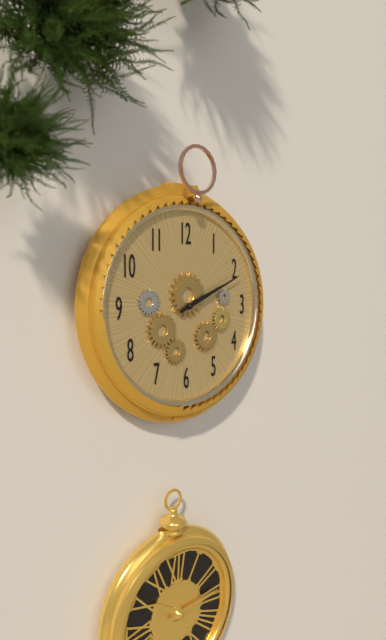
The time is 2h11
